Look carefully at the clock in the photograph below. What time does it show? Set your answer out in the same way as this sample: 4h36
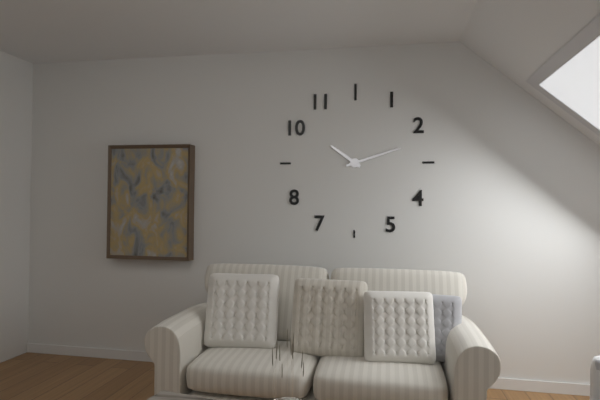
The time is 10h12
